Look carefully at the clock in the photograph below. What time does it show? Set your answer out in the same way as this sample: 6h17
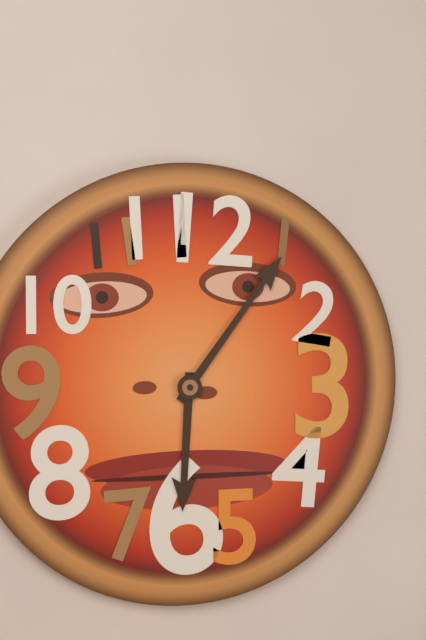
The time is 6h06
